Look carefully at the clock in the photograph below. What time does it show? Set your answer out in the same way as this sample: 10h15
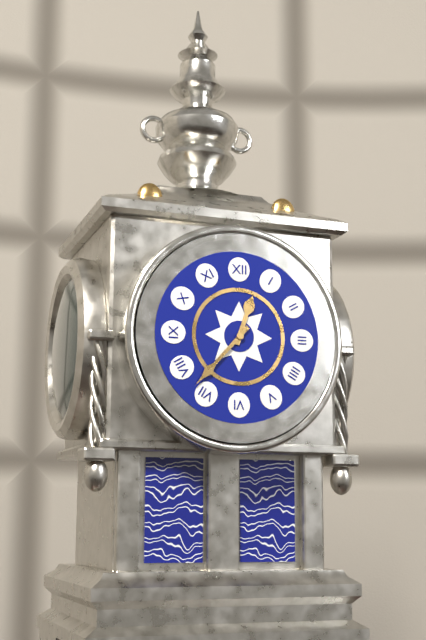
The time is 12h37
